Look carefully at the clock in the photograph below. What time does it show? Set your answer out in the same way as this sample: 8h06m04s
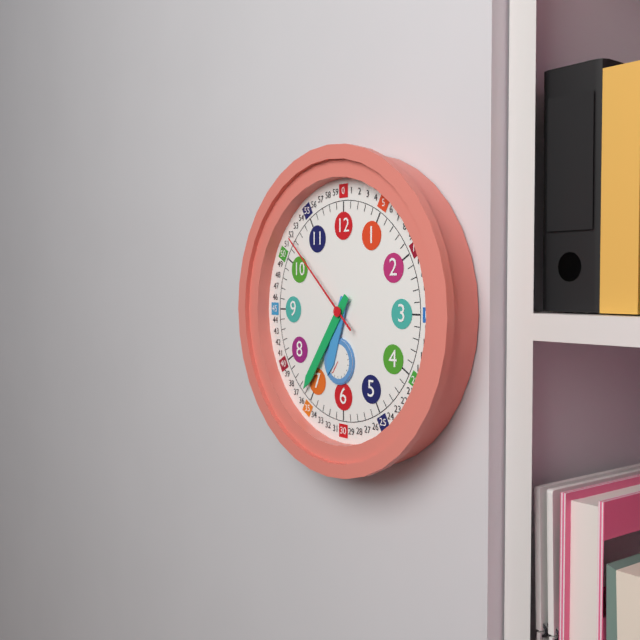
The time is 6h36m52s
